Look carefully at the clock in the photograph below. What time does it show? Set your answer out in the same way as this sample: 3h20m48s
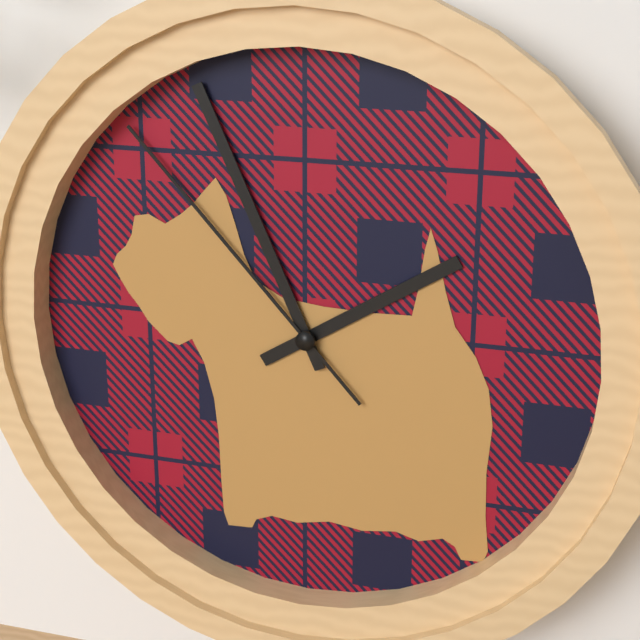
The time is 1h56m53s
